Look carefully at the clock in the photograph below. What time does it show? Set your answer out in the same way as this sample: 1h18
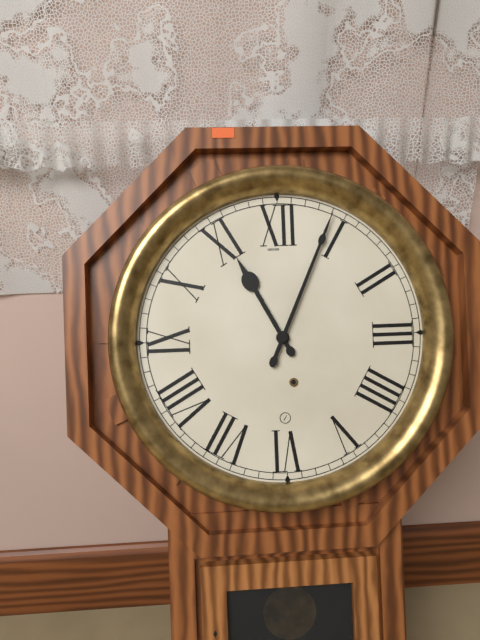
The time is 11h04
